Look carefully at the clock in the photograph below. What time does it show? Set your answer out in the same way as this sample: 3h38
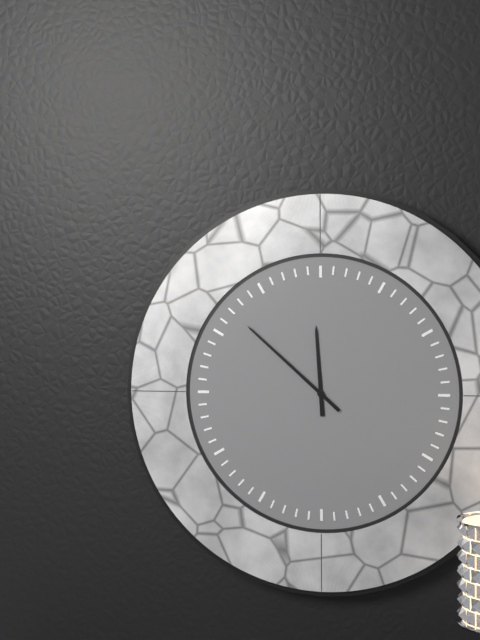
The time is 11h52
